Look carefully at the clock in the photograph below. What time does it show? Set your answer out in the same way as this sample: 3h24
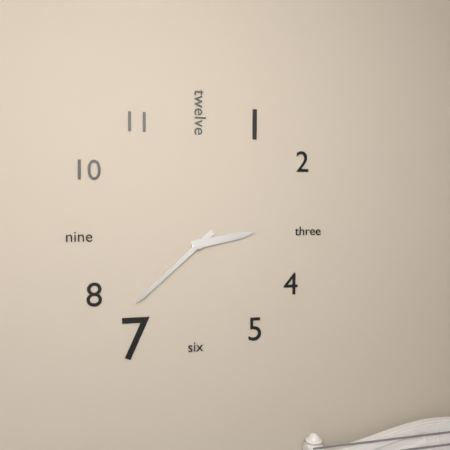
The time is 2h38
